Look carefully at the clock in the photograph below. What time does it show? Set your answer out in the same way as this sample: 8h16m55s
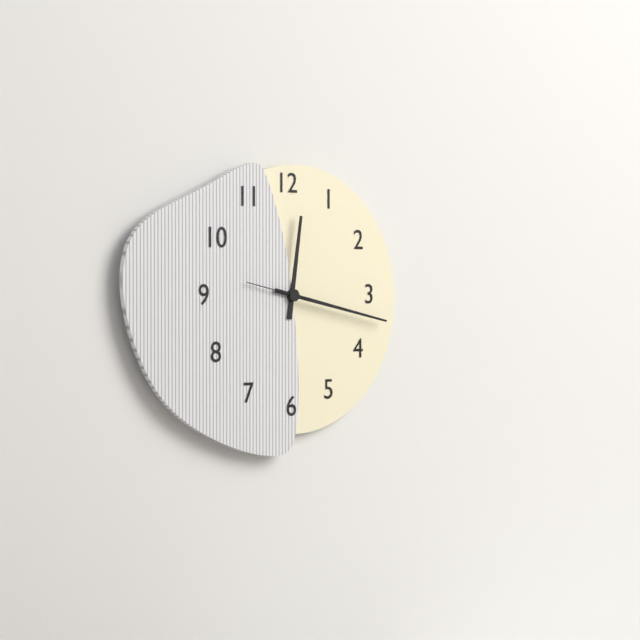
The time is 12h17m47s
